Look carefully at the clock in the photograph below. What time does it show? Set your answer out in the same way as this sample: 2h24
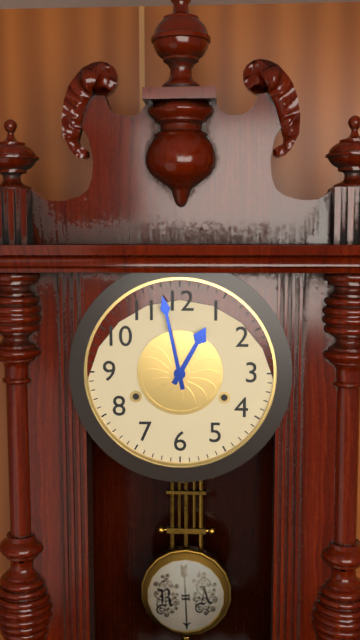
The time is 12h58
